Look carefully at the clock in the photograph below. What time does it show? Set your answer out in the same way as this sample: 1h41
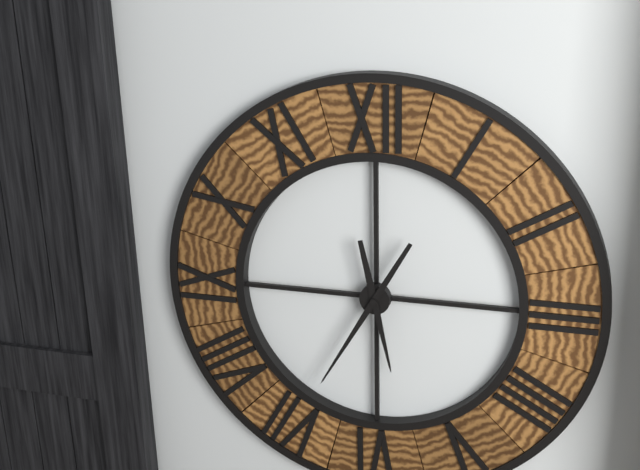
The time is 5h35
